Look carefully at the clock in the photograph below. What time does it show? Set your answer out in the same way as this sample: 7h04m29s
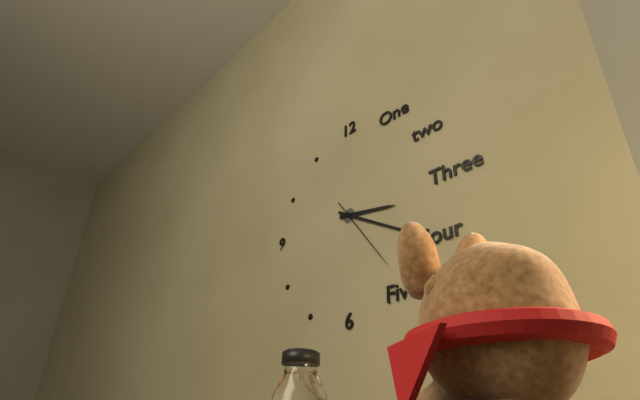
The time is 3h20m24s
